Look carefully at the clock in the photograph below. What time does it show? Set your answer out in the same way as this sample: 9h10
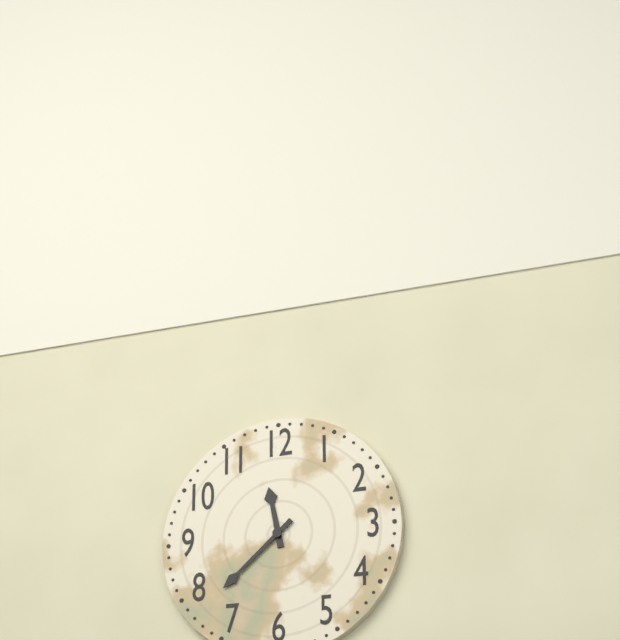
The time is 11h38
